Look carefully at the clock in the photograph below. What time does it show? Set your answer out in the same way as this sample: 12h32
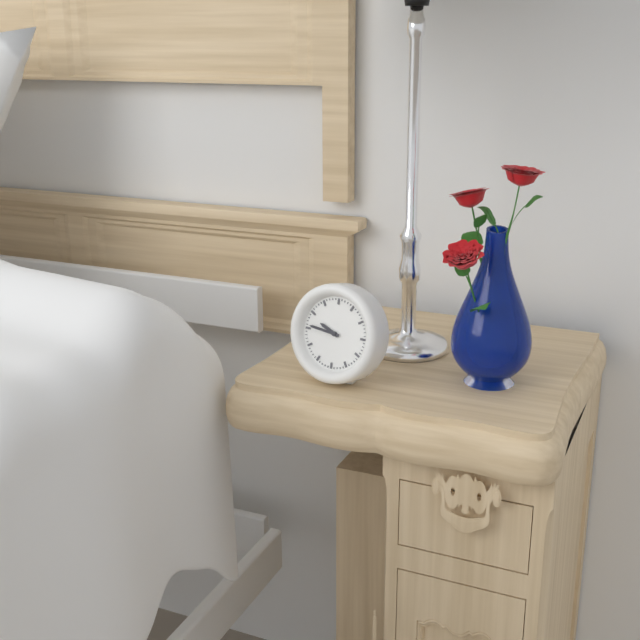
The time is 9h46
